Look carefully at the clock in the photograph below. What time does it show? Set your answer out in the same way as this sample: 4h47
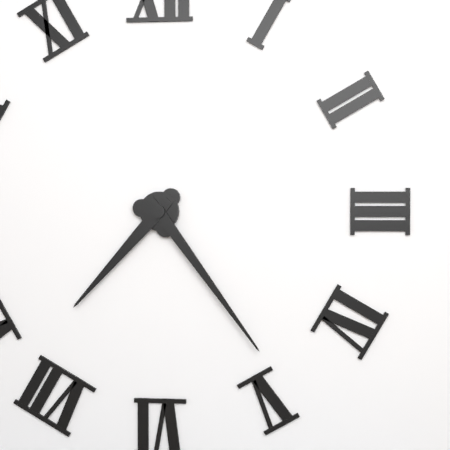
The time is 7h24
